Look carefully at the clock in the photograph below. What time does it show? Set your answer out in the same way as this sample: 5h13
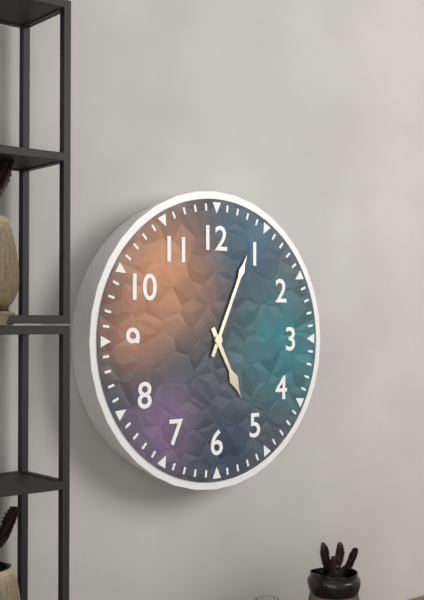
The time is 5h04
